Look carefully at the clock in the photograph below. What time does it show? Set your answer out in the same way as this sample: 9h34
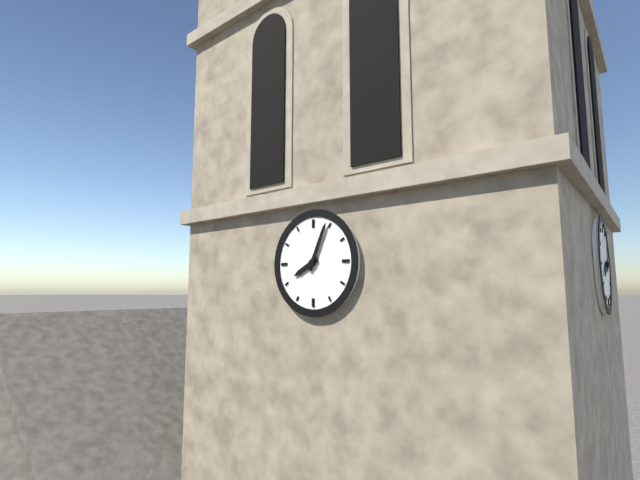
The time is 8h04
